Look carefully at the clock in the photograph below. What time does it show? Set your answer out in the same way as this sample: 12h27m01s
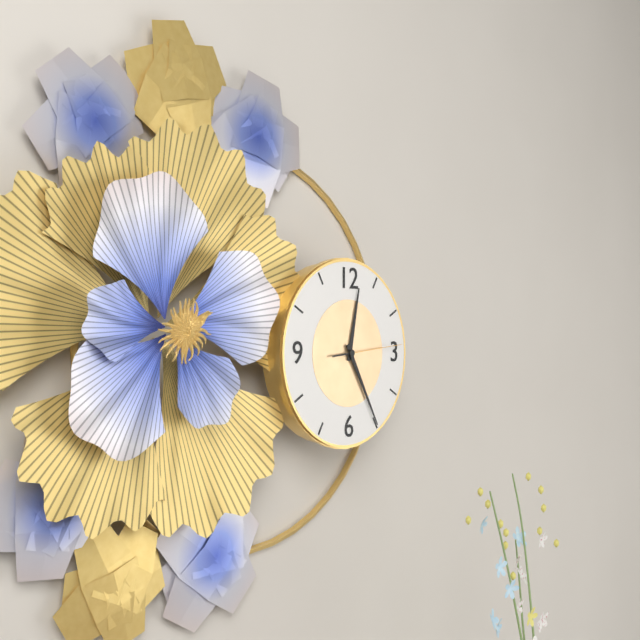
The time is 12h25m14s
